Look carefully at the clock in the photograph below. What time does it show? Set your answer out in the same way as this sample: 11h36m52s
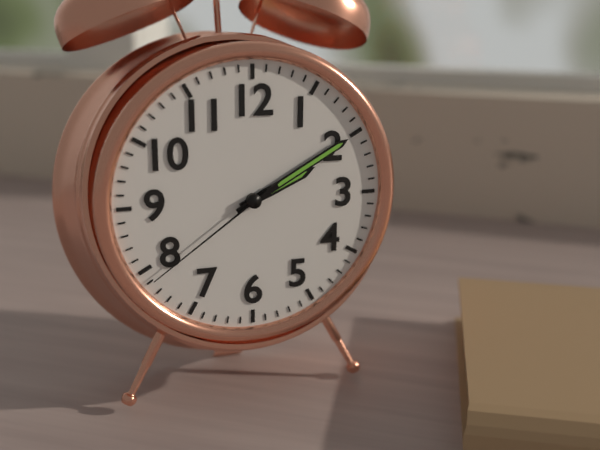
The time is 2h10m39s
